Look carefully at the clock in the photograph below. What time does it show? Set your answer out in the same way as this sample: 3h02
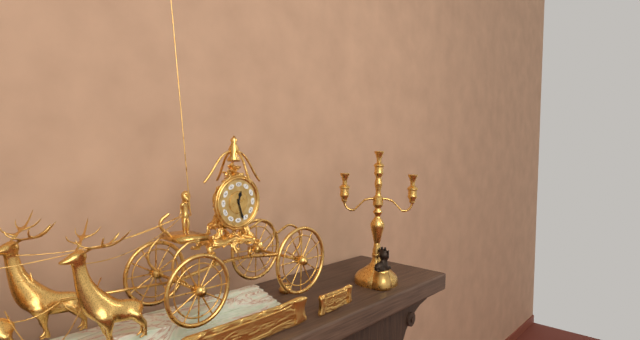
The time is 12h27
